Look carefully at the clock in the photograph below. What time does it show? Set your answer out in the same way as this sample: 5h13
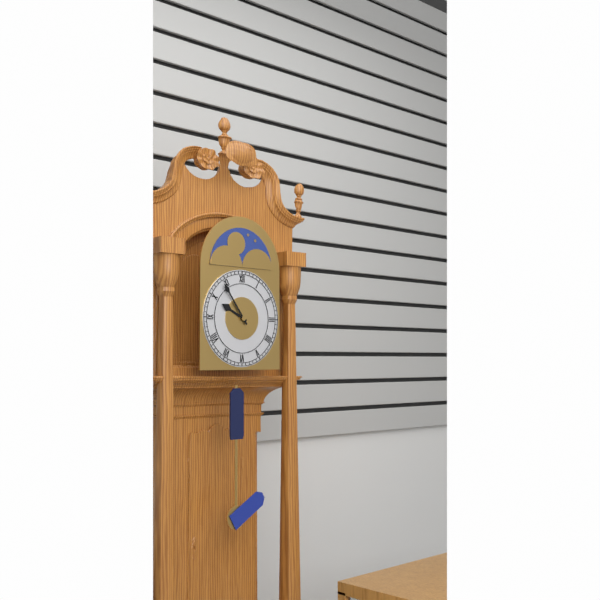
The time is 9h54
